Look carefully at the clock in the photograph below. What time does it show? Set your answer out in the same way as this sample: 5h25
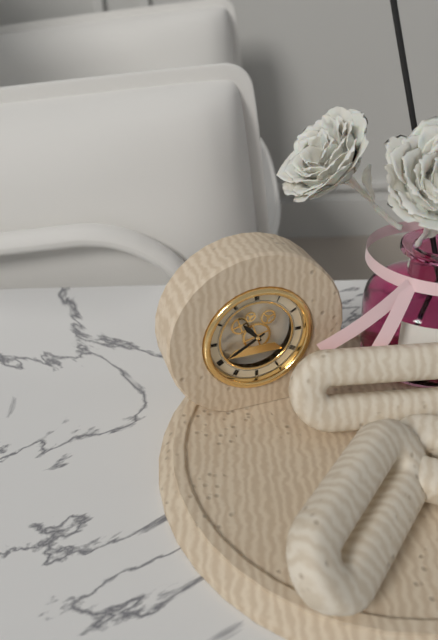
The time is 10h40
